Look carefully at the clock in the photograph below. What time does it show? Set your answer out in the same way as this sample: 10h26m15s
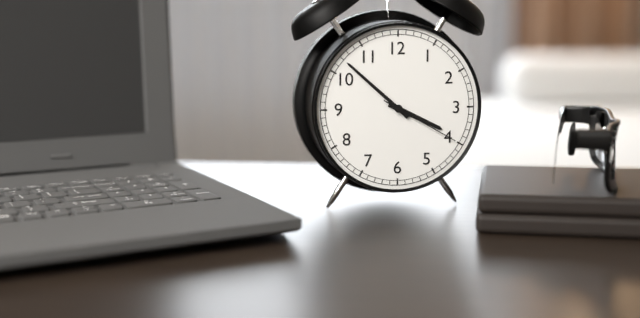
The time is 3h52m20s
